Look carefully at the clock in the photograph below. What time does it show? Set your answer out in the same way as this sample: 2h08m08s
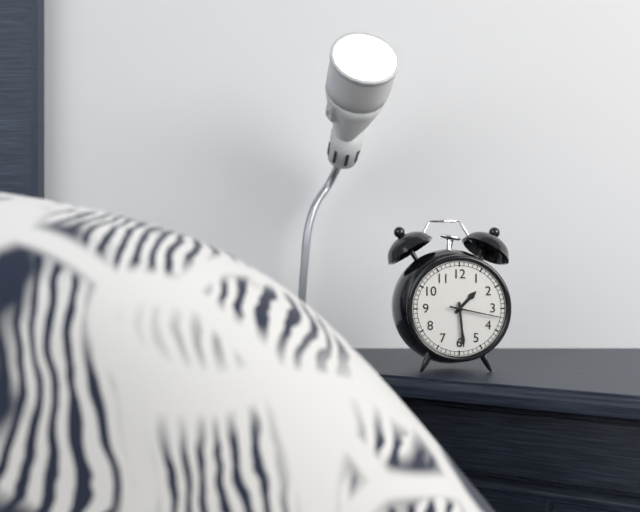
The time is 1h29m17s
